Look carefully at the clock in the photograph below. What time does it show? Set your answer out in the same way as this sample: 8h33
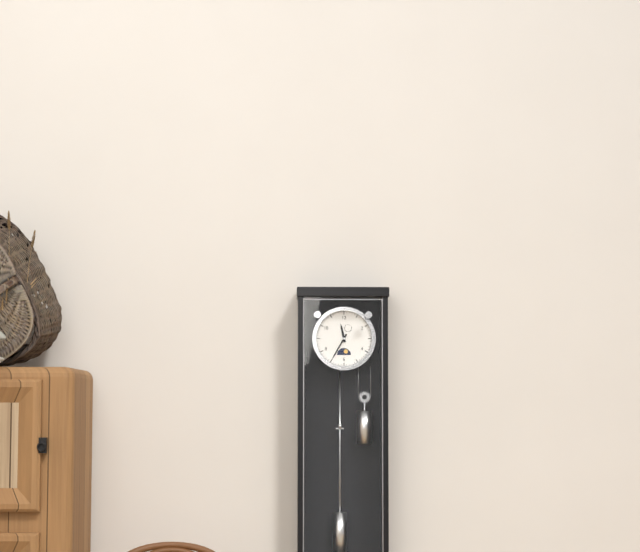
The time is 11h35
